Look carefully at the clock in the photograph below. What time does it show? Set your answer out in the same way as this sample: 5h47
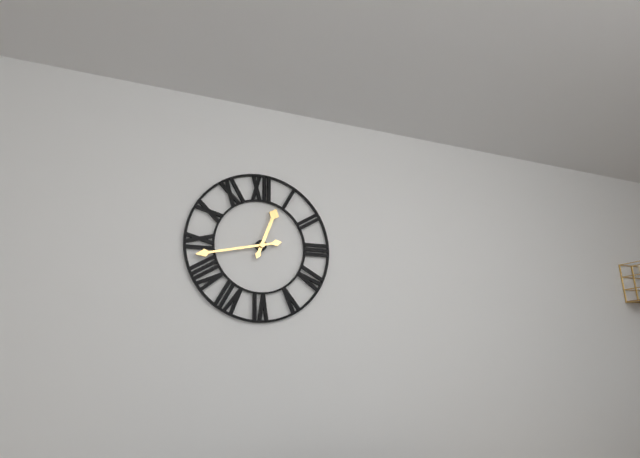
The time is 12h43
